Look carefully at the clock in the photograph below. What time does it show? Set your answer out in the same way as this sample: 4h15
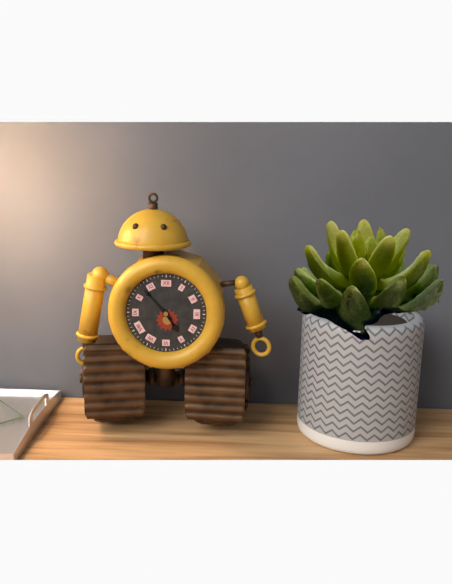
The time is 4h53
